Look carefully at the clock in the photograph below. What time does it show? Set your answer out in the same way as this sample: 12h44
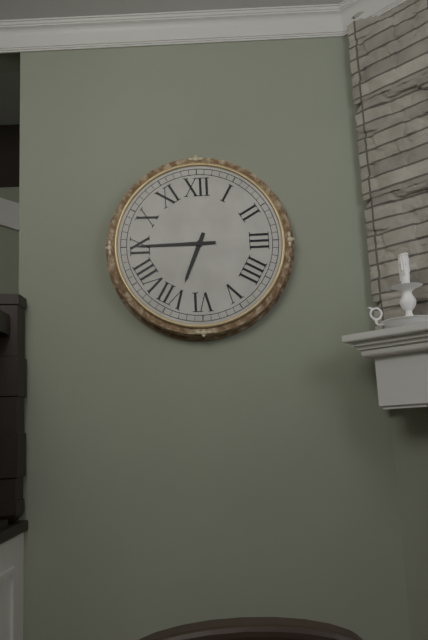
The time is 6h45
